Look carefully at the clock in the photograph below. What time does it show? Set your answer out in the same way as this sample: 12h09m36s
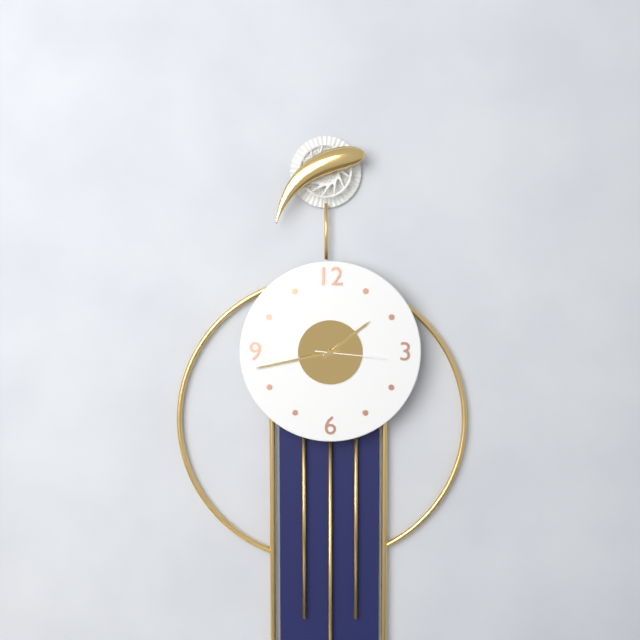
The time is 1h43m16s
